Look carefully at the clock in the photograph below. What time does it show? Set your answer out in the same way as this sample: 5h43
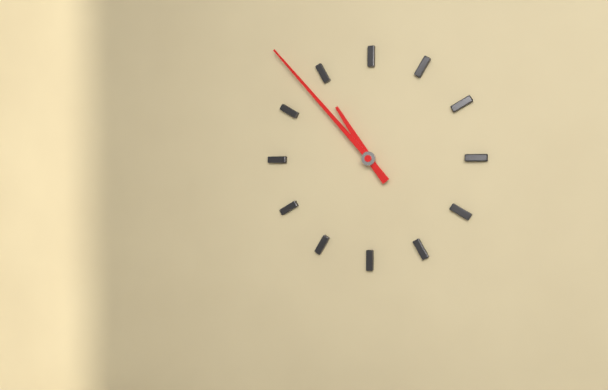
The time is 10h53
